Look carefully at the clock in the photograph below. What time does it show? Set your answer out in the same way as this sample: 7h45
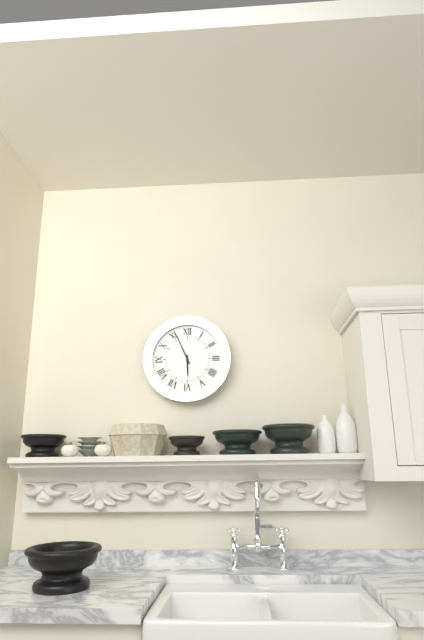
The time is 5h56
